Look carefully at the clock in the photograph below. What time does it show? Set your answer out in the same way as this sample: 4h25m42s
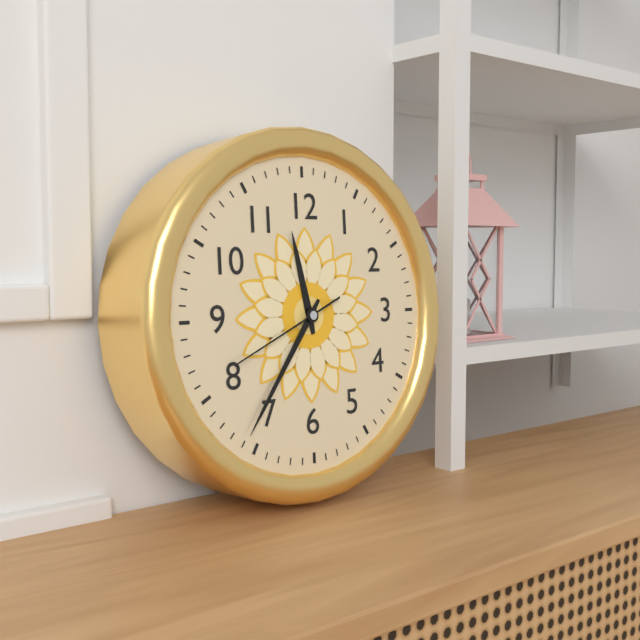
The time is 11h36m41s
